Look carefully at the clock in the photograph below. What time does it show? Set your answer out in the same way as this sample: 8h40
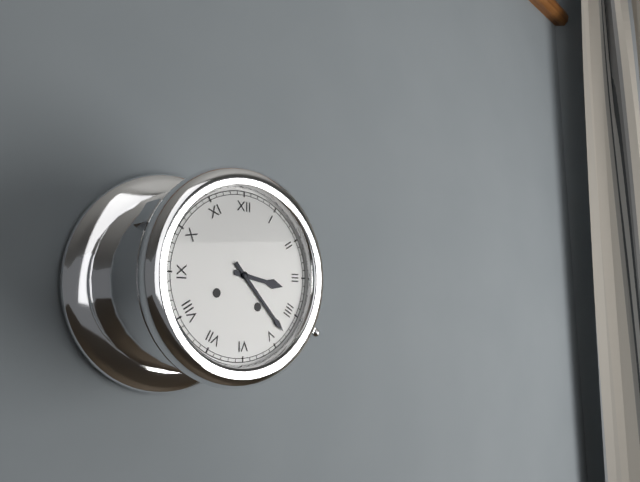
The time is 3h23
